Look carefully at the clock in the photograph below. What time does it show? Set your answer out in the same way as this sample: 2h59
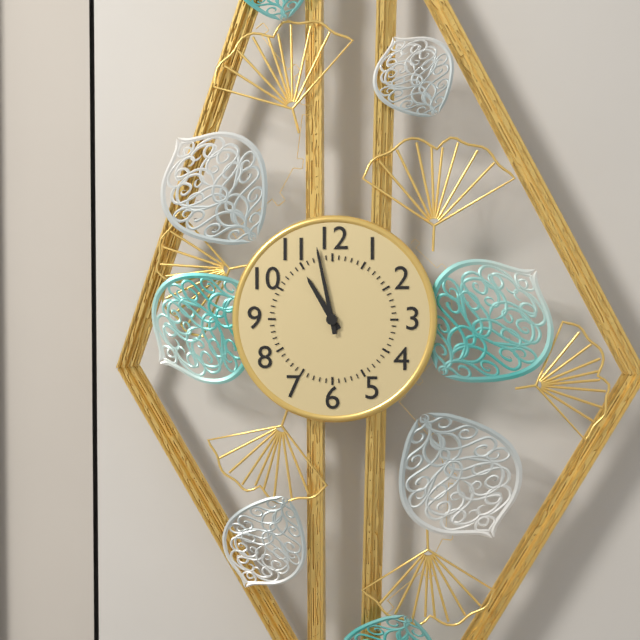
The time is 10h58
